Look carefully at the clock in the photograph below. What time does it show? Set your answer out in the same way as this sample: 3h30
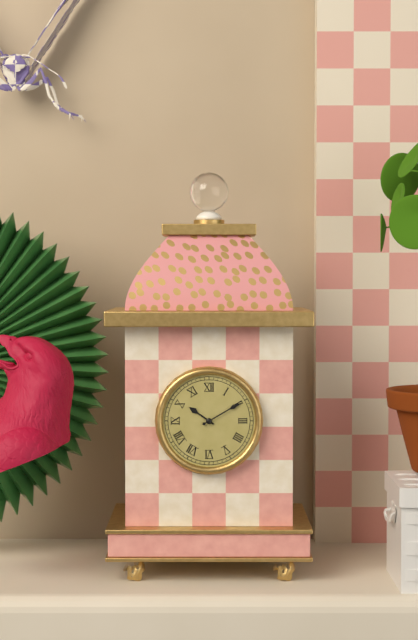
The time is 10h10
